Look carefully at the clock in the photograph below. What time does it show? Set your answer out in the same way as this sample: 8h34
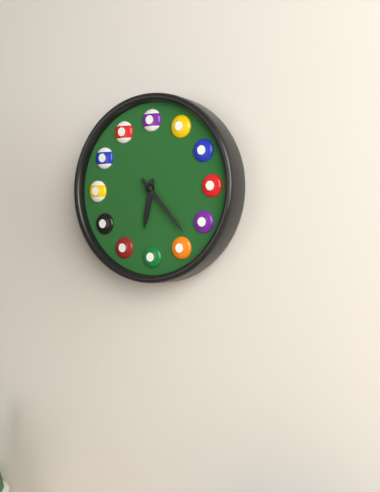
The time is 6h23
